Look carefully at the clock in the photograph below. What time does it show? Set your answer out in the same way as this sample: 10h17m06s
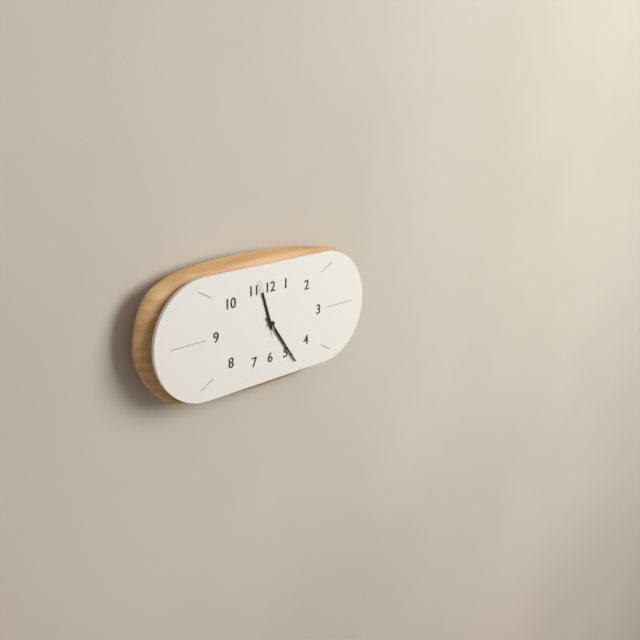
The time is 11h24m57s
